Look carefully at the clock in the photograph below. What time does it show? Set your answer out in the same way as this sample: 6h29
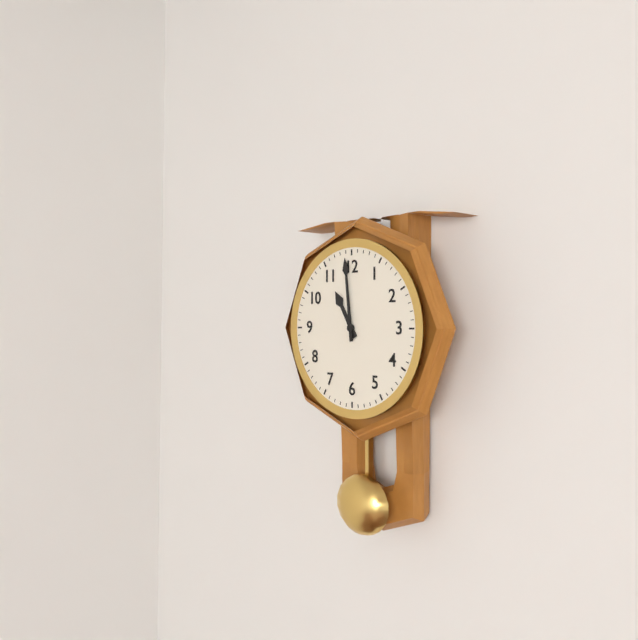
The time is 10h59
